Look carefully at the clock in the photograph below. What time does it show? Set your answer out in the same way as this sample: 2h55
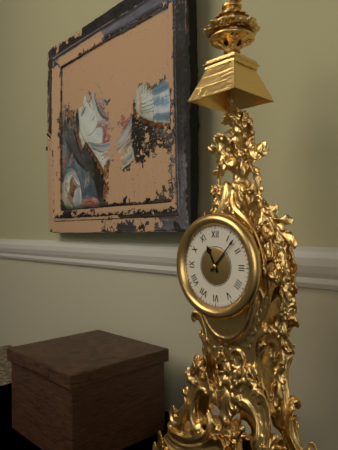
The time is 11h07
